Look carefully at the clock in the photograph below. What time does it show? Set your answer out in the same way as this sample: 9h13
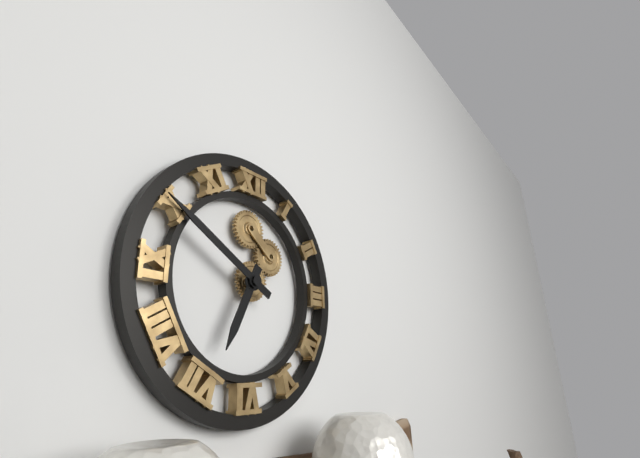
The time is 6h50
